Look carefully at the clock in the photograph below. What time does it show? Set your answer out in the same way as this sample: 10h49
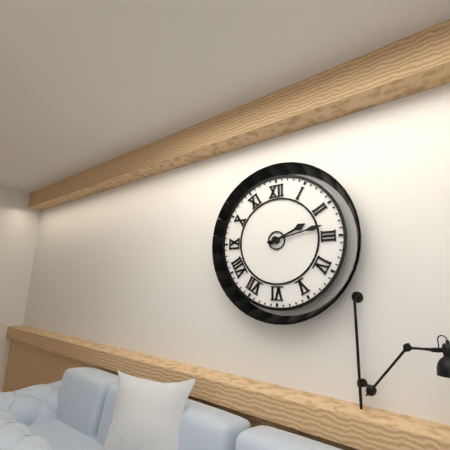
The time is 2h13
